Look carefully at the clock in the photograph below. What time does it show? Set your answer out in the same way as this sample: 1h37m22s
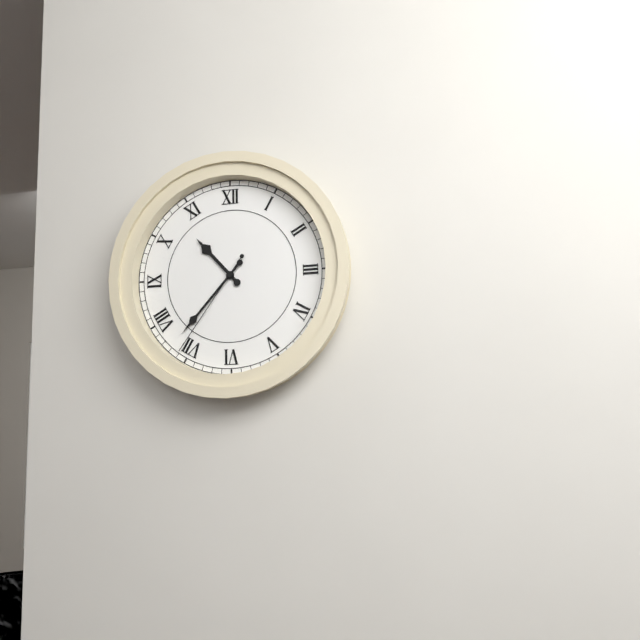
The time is 10h37m36s
